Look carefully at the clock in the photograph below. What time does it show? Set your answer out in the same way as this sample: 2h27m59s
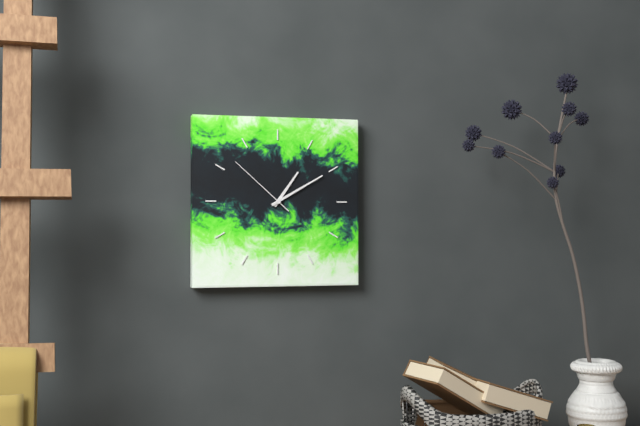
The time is 1h10m52s
